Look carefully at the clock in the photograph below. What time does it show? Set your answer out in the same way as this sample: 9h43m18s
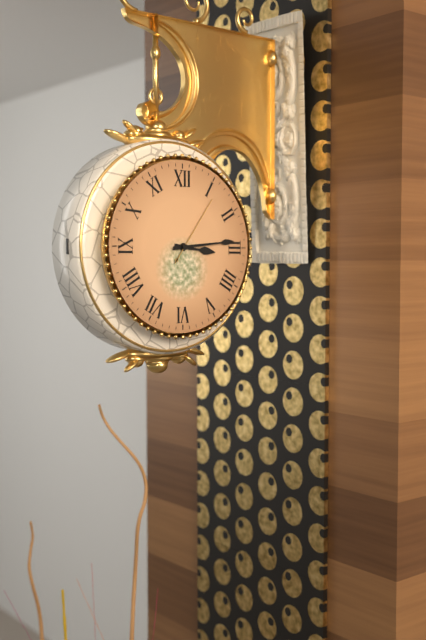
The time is 3h14m06s
